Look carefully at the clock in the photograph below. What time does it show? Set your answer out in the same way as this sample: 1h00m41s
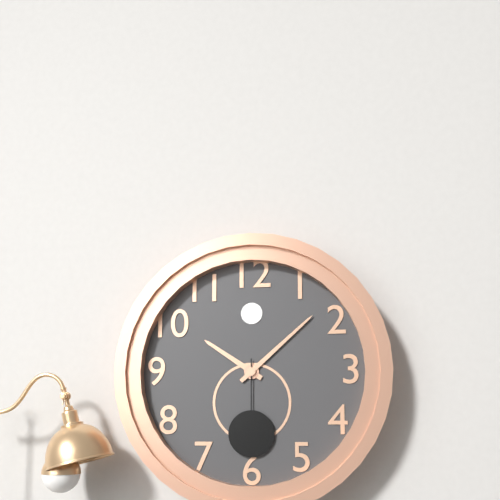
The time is 10h08m30s
